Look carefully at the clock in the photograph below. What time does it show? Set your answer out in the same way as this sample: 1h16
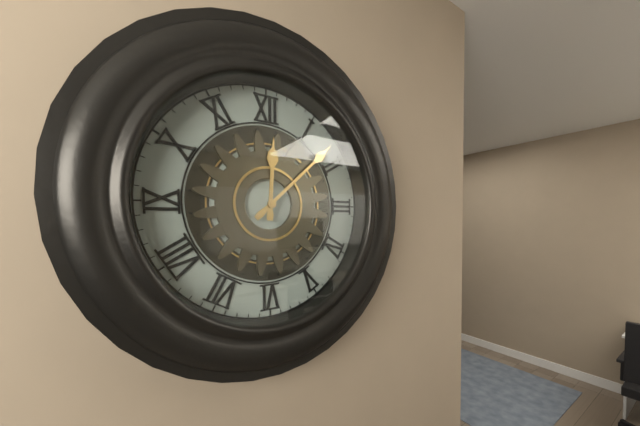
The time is 12h08
